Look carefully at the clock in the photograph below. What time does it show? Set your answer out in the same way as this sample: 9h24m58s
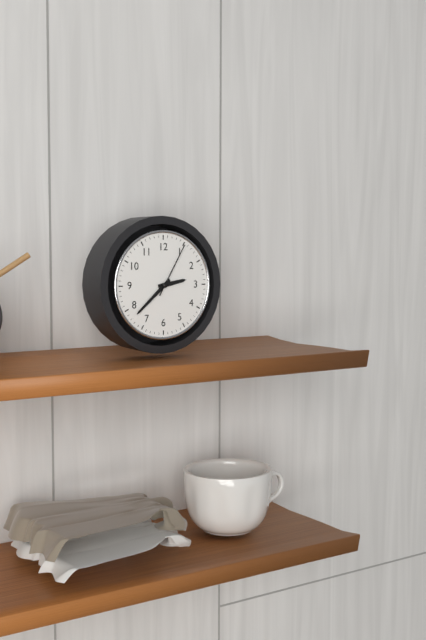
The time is 2h38m05s
